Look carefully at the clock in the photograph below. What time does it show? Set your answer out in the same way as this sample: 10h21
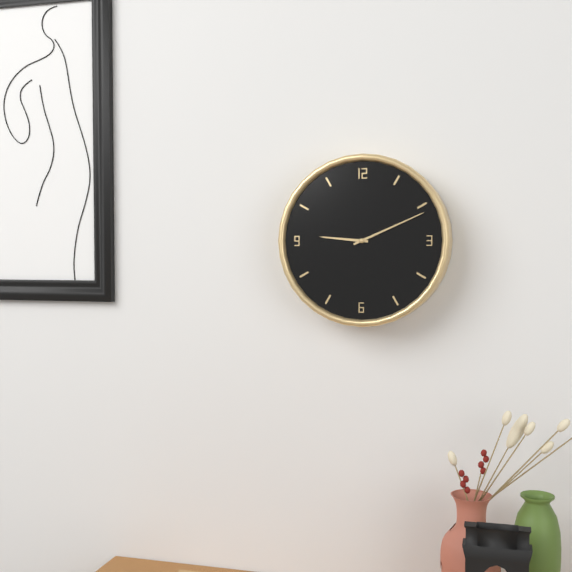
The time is 9h11
